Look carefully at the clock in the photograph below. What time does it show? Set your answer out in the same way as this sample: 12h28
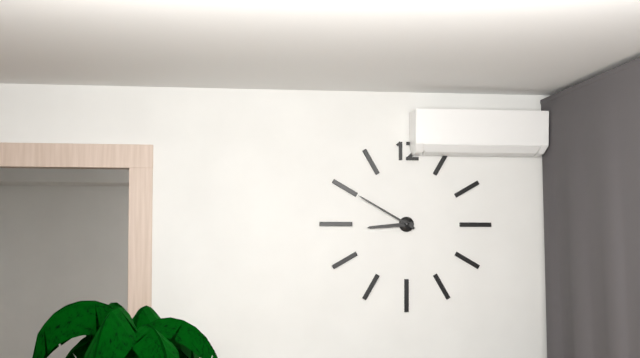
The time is 8h50
